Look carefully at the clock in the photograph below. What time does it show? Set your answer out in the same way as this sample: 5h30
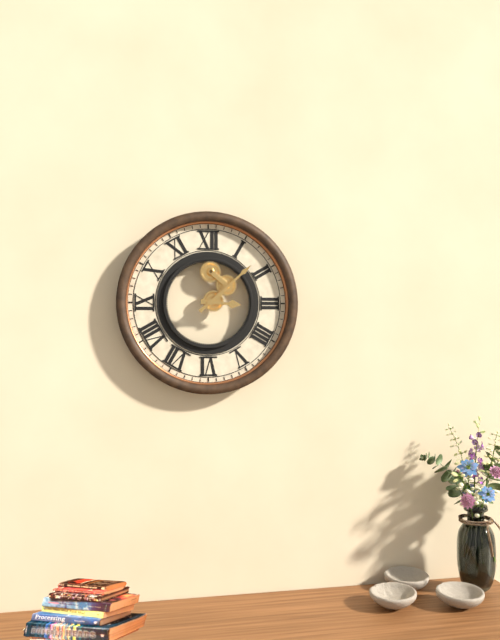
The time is 3h08
